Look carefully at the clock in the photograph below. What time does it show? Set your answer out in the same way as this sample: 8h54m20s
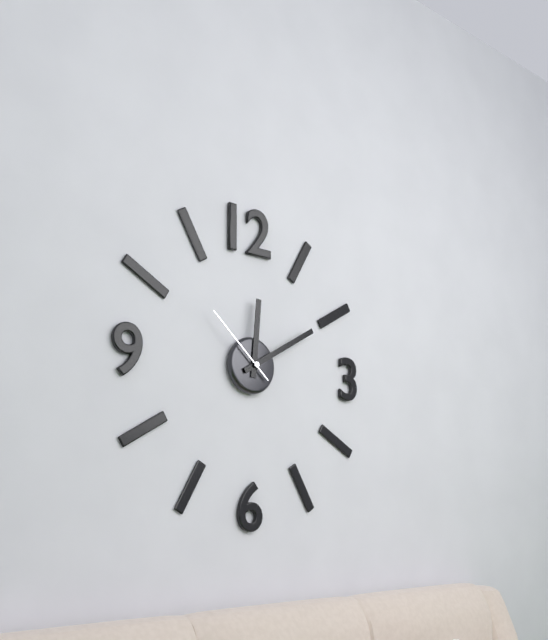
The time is 12h10m52s
